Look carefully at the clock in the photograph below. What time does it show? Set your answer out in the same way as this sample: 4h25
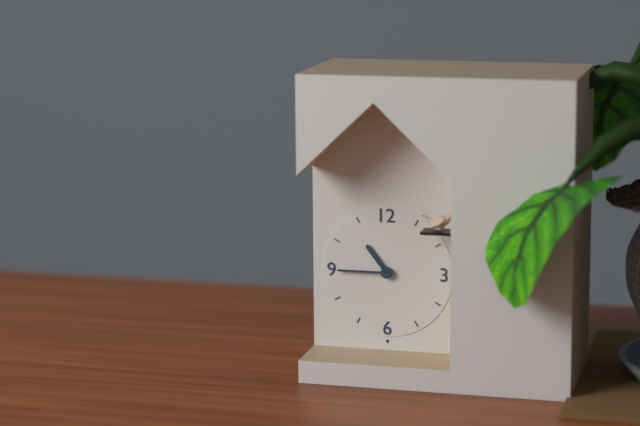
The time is 10h45
